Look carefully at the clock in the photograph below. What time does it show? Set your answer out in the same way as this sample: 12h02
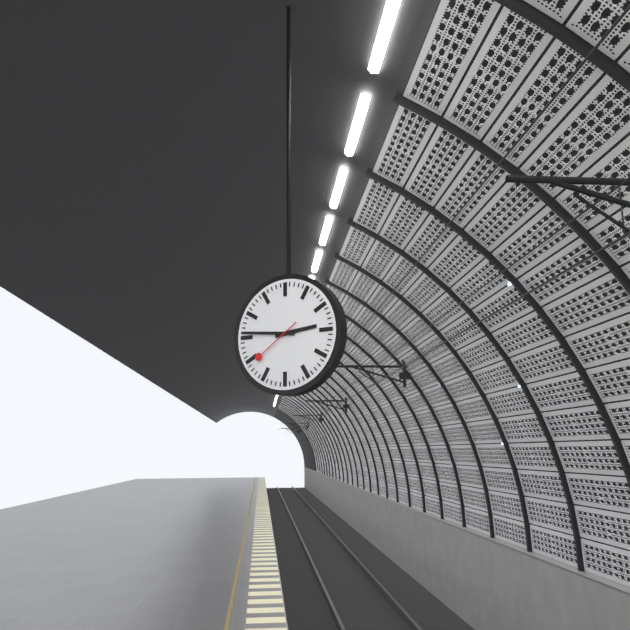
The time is 2h46
